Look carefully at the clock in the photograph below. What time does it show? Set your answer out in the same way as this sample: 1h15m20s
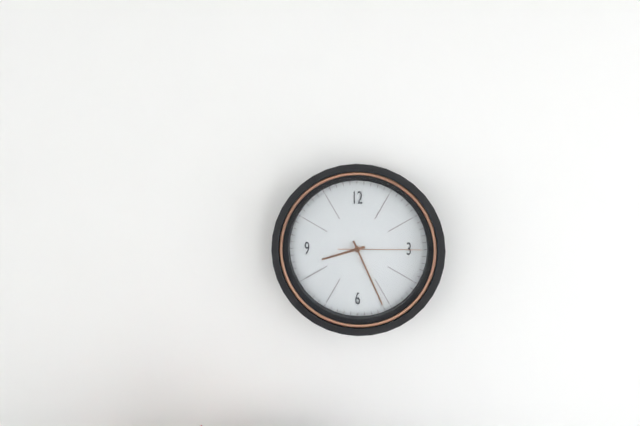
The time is 8h26m15s
